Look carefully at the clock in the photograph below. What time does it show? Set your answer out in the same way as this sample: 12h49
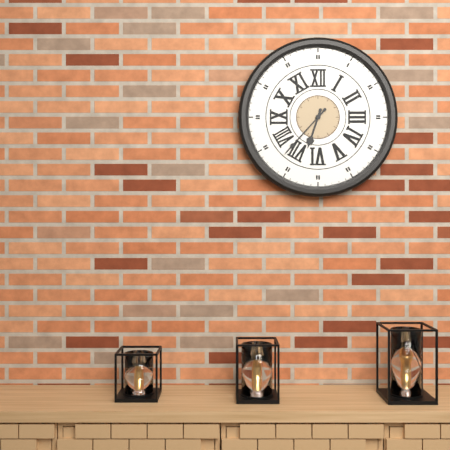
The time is 6h37
